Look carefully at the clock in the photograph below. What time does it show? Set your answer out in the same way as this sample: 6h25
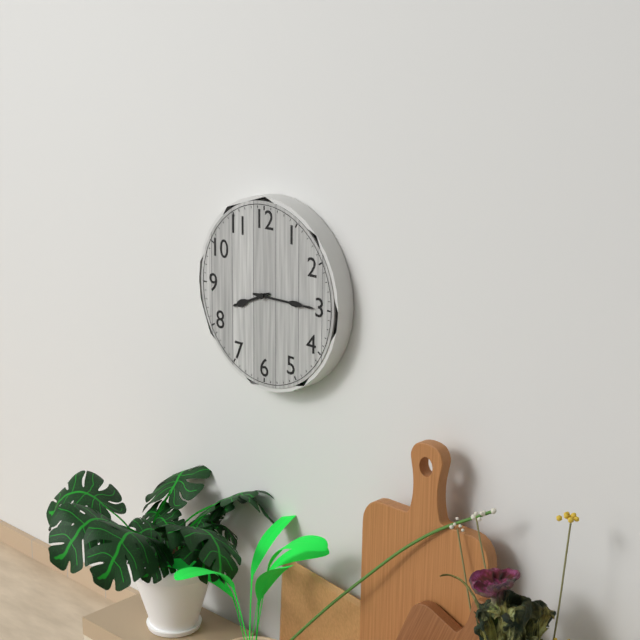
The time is 8h15
